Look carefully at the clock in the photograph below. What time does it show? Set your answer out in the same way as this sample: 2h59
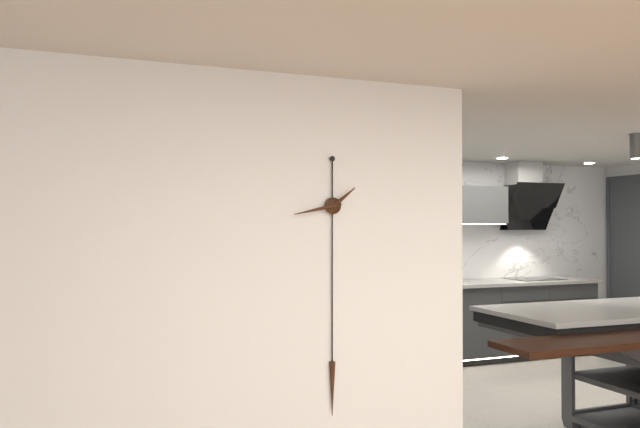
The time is 1h43
